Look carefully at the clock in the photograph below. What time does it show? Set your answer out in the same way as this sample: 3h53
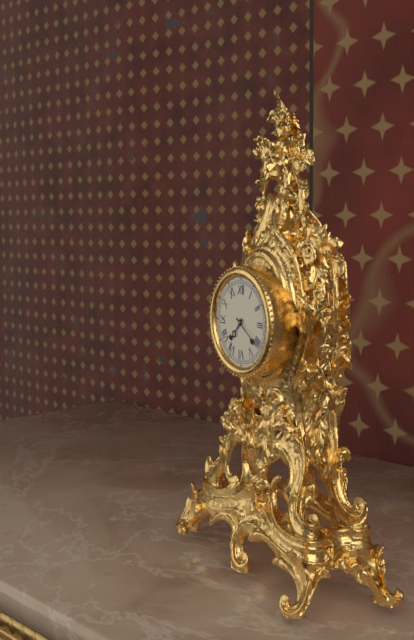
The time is 7h21
